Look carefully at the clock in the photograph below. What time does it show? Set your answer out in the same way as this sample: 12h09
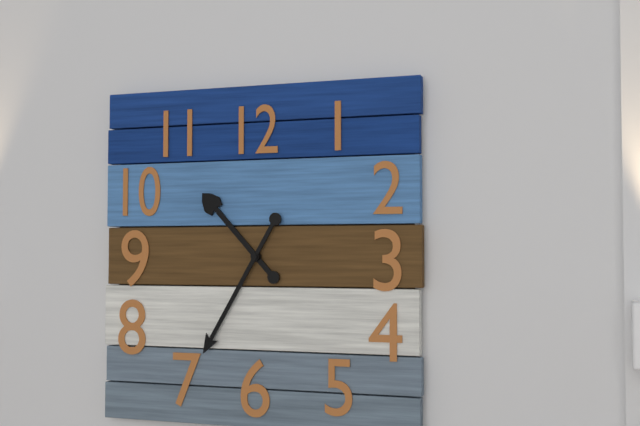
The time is 10h35
